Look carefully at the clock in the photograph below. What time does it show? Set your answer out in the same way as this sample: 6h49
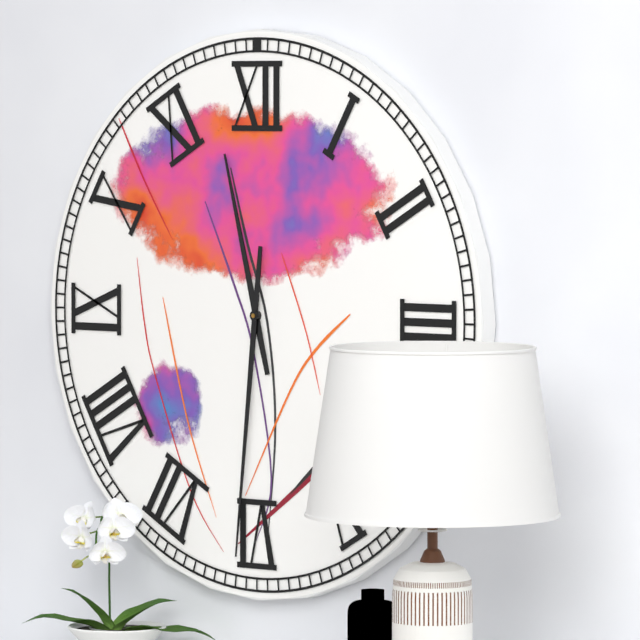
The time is 11h31
